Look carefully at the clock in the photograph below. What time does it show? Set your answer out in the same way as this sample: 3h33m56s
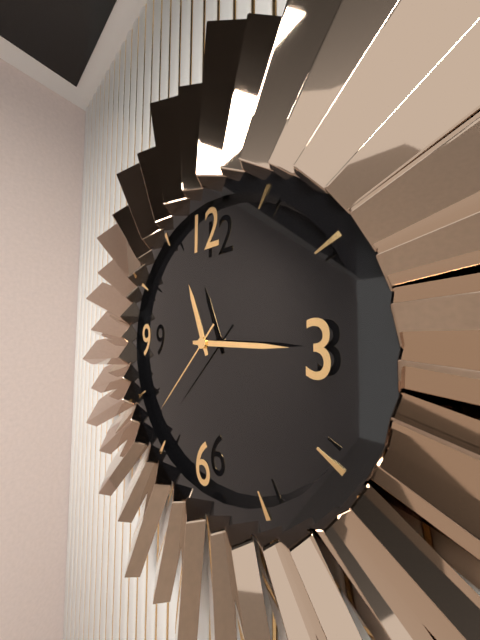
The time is 11h15m37s
